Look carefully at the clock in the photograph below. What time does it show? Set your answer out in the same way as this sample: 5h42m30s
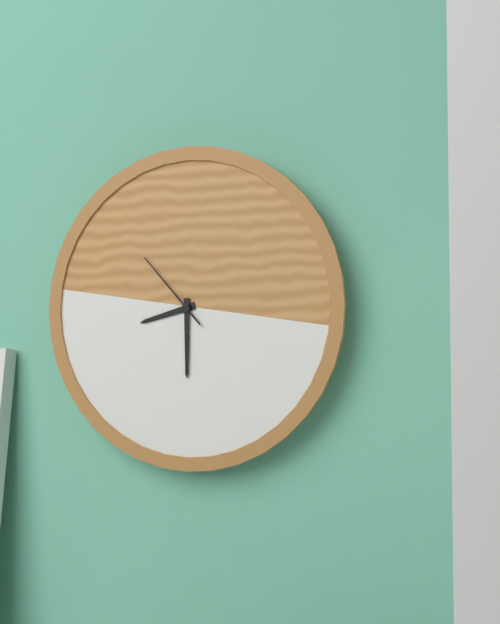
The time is 8h30m53s
